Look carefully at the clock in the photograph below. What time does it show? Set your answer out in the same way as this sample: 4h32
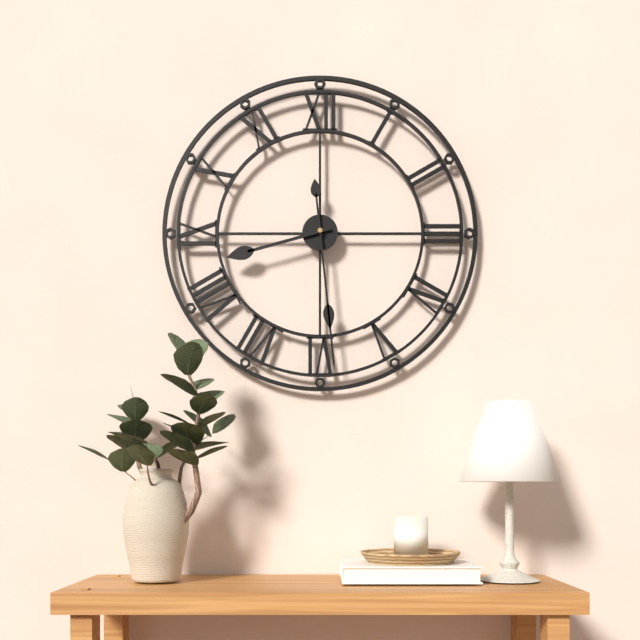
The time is 8h29
